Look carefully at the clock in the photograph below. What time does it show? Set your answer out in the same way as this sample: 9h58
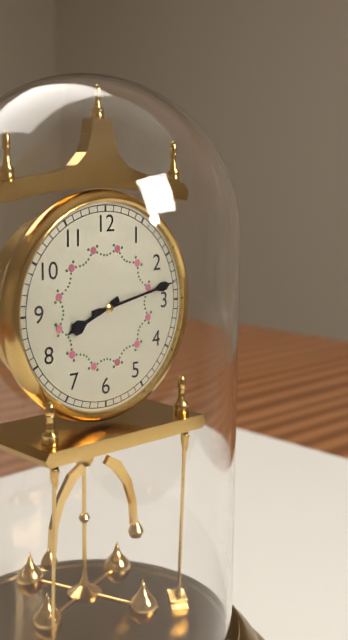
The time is 8h13
